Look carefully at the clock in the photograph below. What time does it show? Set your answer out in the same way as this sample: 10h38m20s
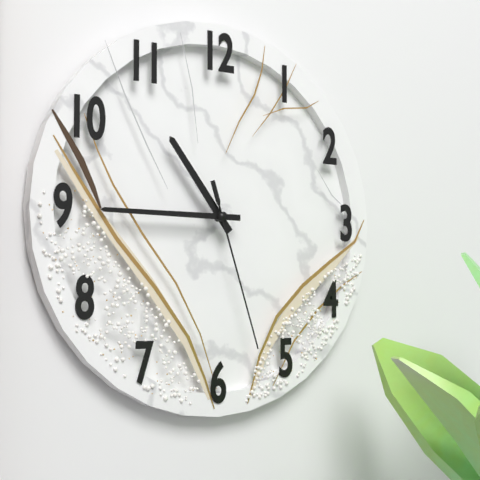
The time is 10h45m27s
